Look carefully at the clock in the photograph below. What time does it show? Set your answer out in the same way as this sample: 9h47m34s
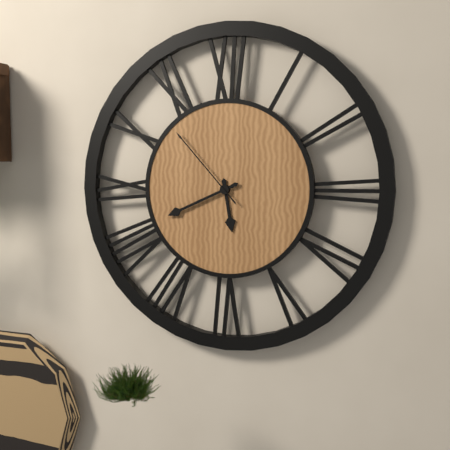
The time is 5h41m53s
